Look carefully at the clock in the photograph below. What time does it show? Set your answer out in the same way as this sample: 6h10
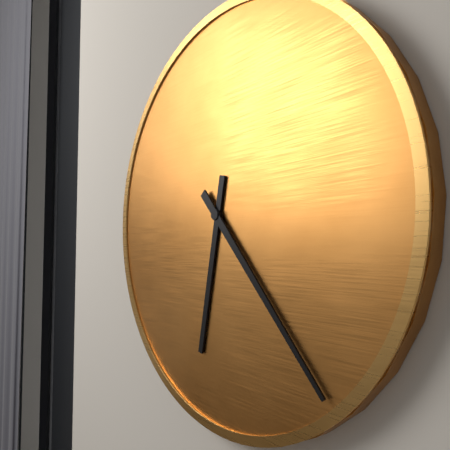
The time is 6h23
